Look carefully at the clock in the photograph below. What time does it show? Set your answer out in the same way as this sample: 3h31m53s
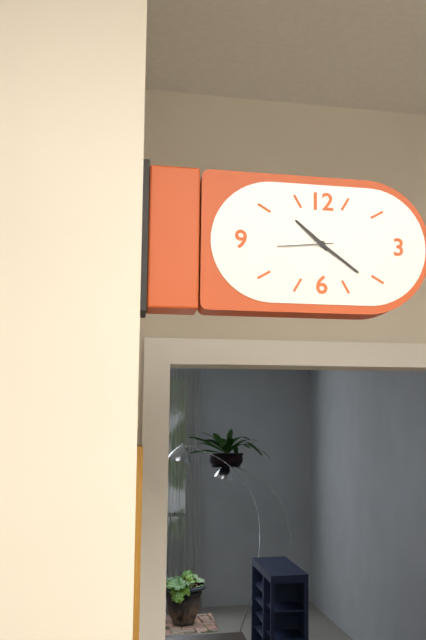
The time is 10h21m44s
